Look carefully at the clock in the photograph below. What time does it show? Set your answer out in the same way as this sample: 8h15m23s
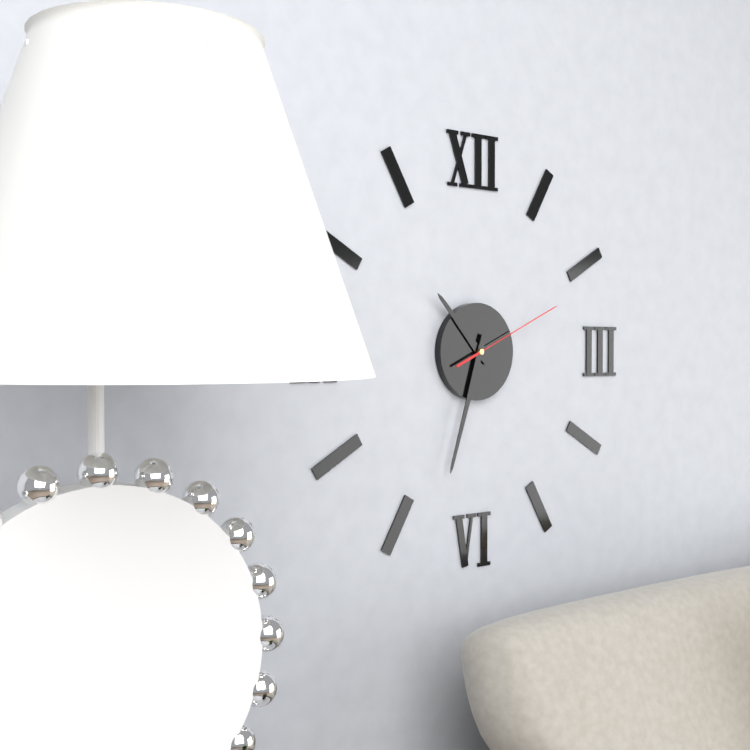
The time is 10h33m11s
